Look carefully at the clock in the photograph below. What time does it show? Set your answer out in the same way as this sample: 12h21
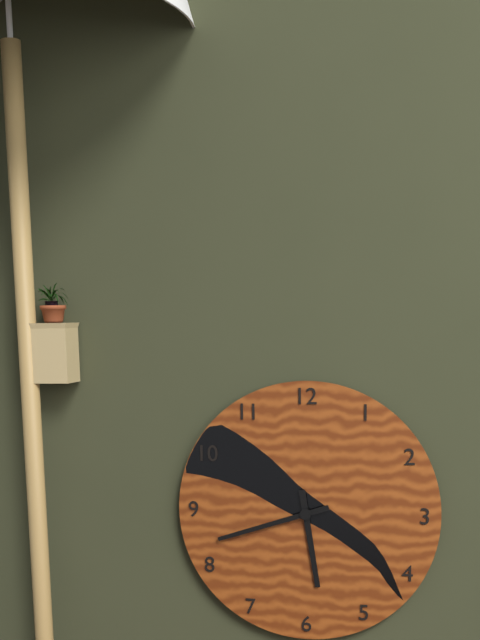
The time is 5h42
